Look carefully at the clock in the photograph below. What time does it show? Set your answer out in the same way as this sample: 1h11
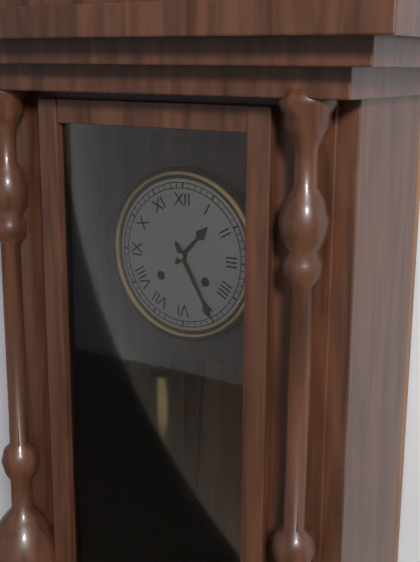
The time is 1h25
